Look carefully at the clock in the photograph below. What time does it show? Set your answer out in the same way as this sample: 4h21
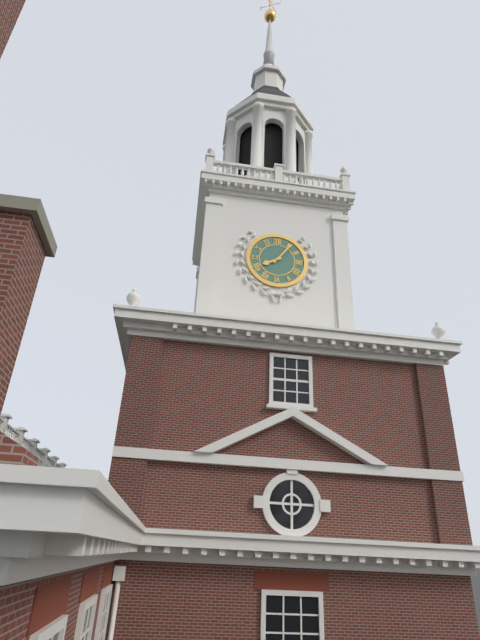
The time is 8h06
